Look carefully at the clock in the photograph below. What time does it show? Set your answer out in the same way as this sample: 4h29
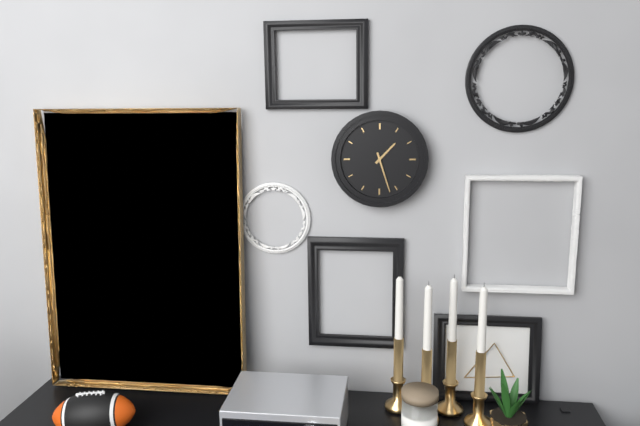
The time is 1h27
